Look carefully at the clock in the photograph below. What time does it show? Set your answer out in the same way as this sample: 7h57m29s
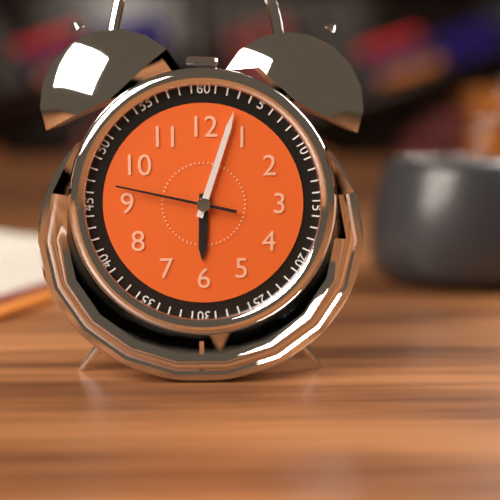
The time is 6h03m47s
